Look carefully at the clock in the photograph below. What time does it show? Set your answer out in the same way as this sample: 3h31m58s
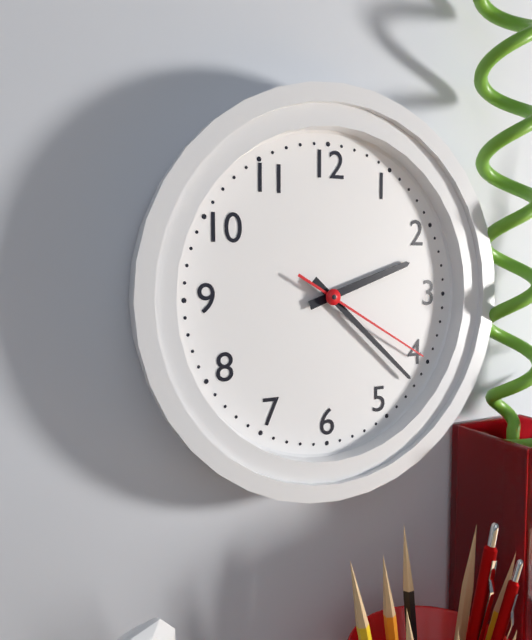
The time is 2h22m20s
